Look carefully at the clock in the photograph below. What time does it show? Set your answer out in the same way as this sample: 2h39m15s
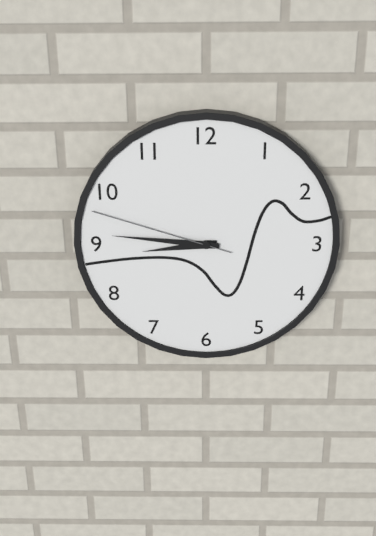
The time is 8h46m48s
